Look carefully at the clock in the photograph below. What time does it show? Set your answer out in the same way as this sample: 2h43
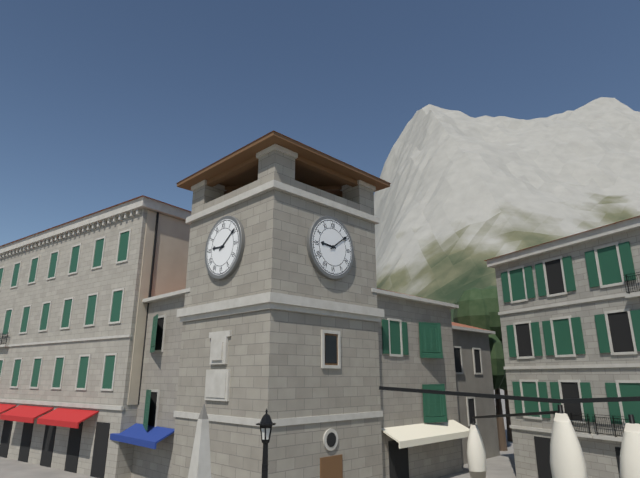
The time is 9h09
